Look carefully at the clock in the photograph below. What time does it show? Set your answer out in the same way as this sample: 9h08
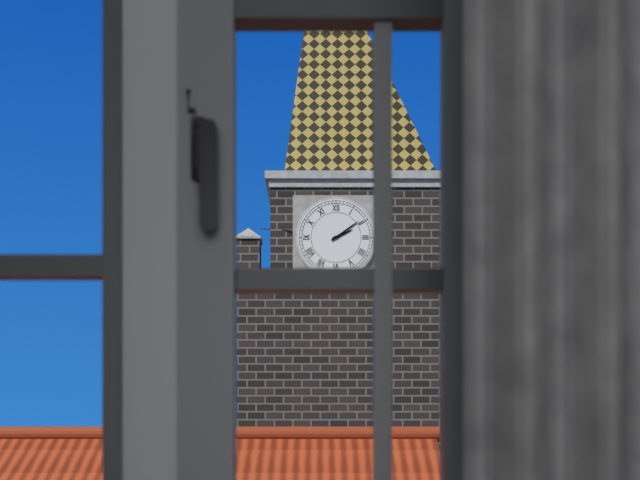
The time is 2h09
